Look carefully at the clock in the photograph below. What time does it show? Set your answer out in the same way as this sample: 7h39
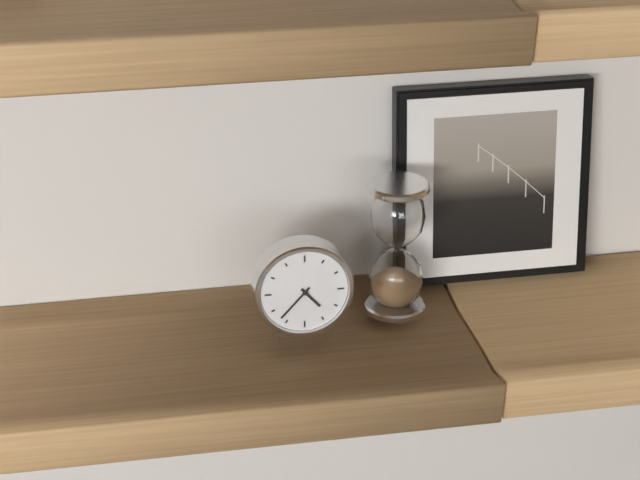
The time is 4h37
